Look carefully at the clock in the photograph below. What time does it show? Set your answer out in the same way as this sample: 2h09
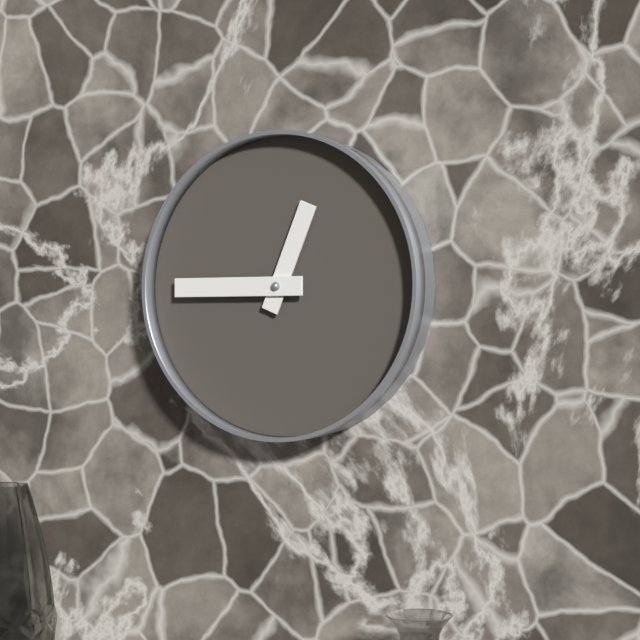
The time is 12h45
